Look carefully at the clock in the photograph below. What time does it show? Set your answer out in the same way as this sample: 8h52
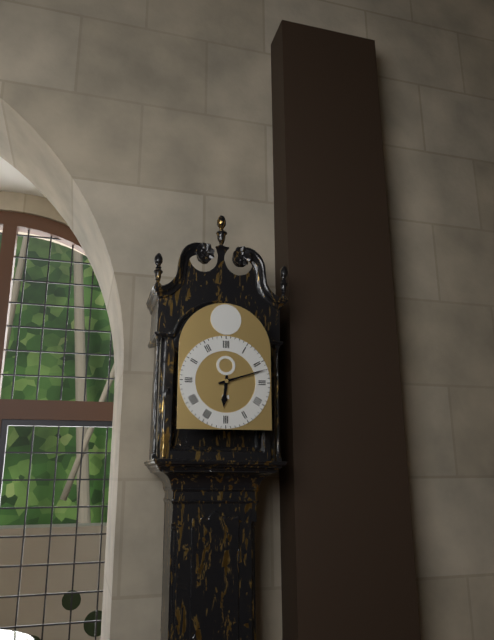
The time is 6h12
